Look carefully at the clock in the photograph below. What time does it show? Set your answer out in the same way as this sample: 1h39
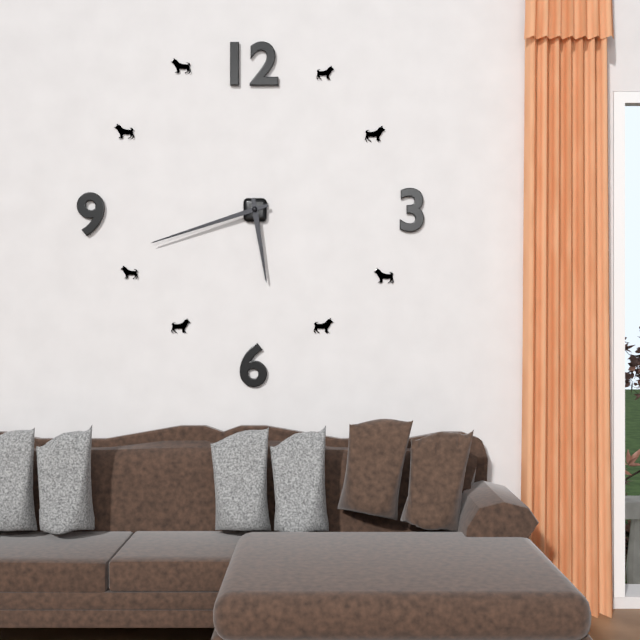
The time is 5h42
